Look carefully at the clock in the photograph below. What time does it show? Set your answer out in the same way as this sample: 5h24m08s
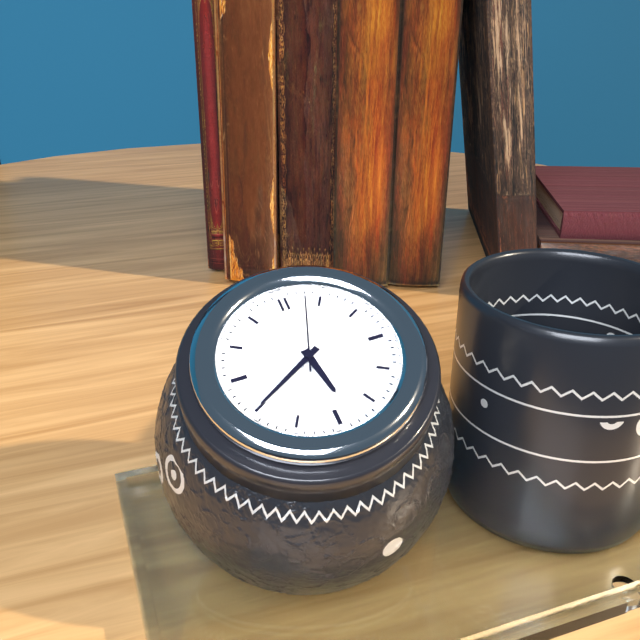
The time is 5h40m03s
